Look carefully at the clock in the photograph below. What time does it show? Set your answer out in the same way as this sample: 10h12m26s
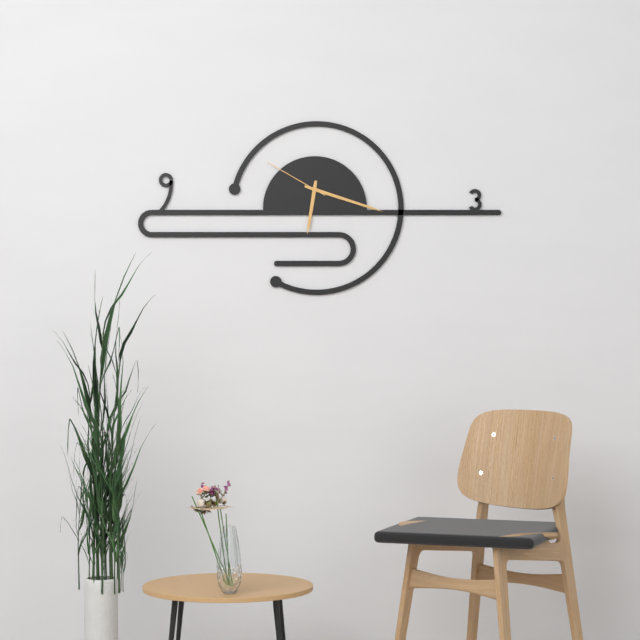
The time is 6h18m50s
